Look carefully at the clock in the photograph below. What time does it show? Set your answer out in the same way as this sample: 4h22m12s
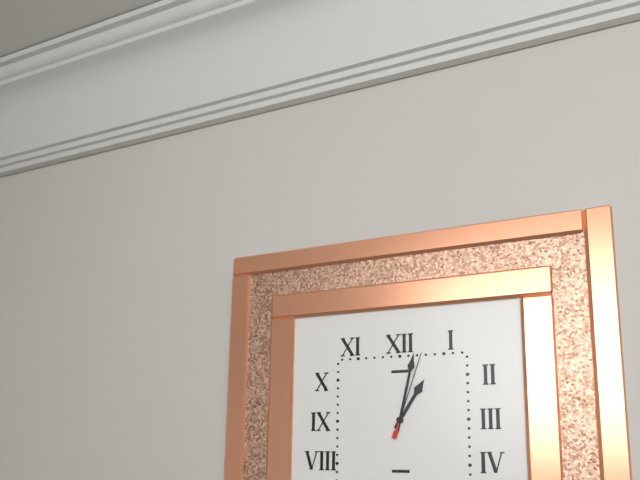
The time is 1h02m03s
